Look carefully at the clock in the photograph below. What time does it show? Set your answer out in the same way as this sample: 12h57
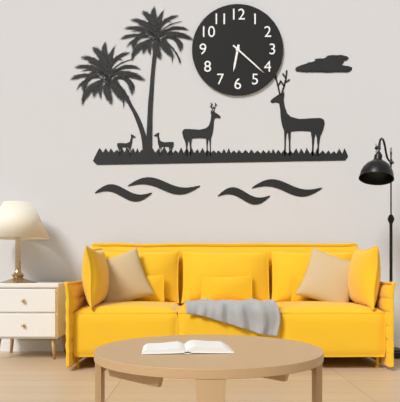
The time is 6h22
